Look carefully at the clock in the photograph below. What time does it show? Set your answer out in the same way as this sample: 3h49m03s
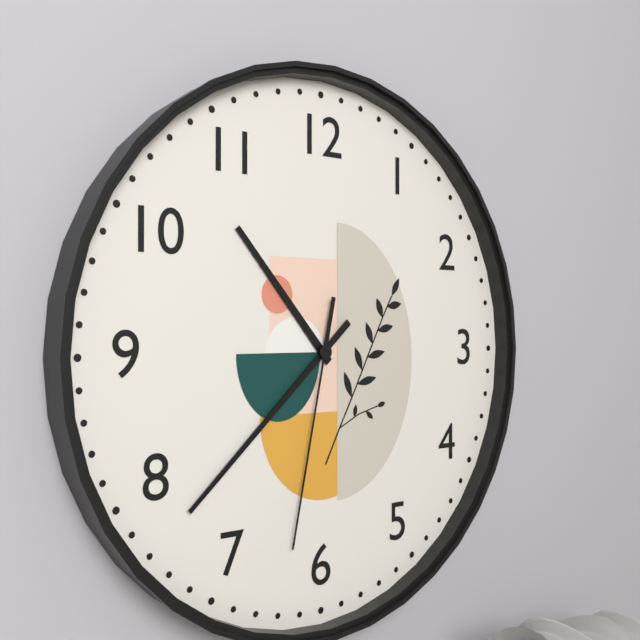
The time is 10h38m32s
